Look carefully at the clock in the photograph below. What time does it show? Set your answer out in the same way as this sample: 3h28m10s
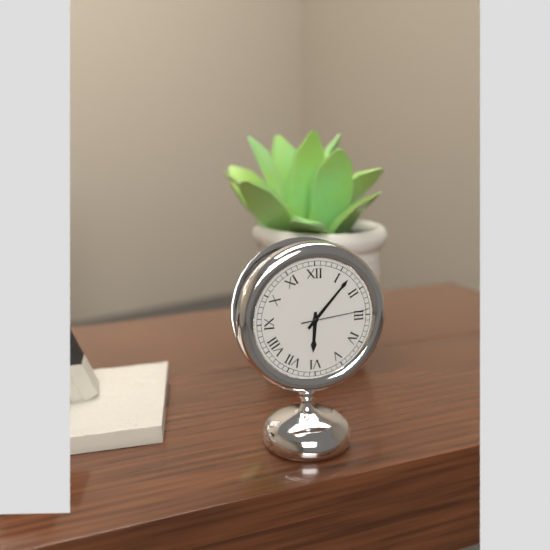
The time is 6h07m14s
